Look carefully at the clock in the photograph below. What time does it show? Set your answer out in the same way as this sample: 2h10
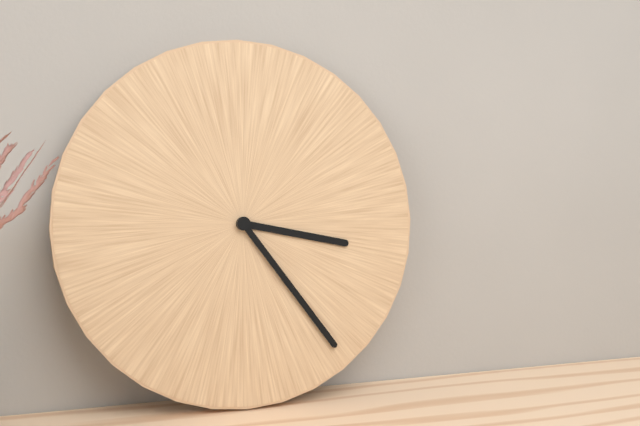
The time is 3h24
